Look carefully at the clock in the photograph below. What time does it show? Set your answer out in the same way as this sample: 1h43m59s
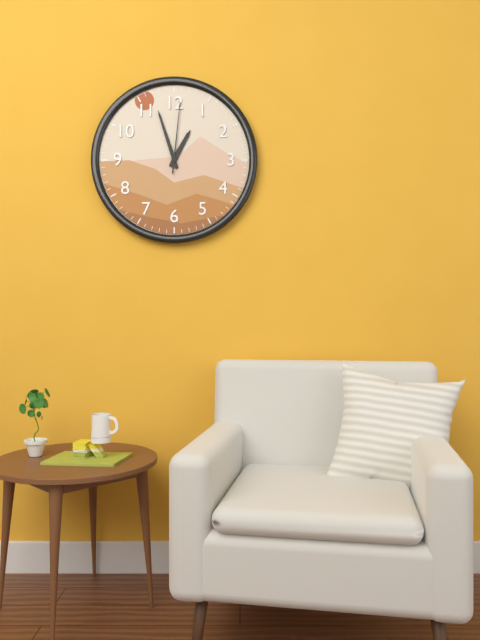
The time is 12h57m01s
